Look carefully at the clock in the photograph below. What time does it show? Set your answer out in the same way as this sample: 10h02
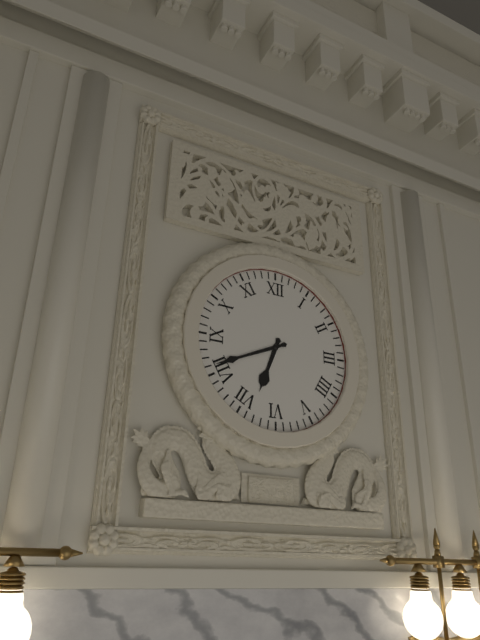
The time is 6h41
